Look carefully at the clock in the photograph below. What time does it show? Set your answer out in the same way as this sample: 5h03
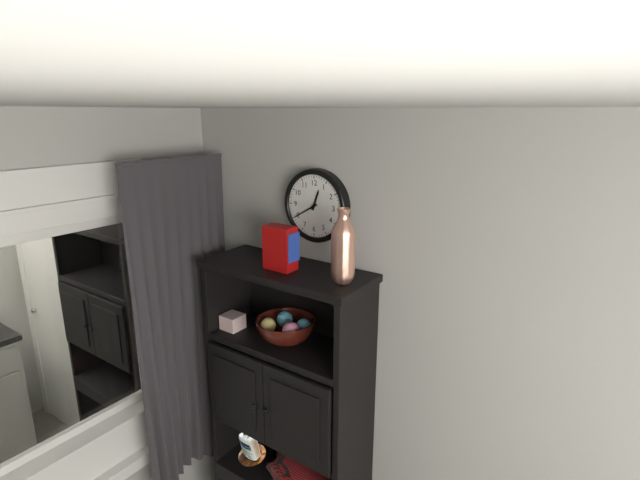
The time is 12h40
